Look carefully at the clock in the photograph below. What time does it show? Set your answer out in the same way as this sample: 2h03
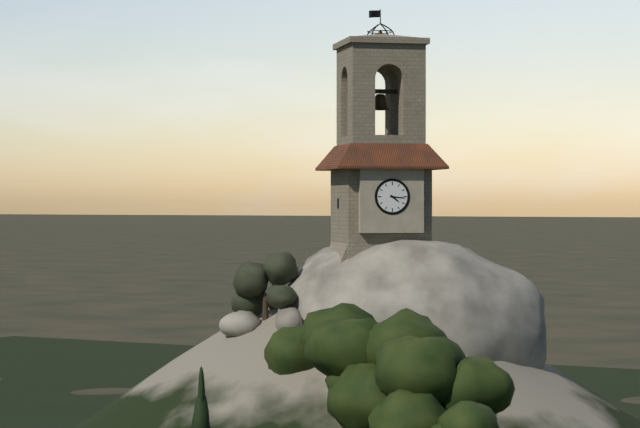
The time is 4h16
